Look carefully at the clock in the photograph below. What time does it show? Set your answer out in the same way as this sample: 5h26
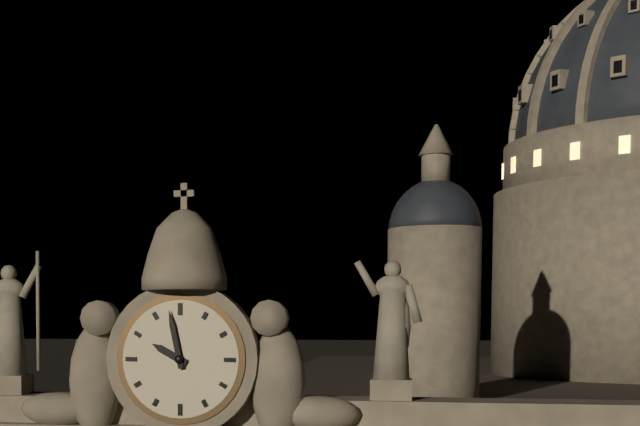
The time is 9h58
